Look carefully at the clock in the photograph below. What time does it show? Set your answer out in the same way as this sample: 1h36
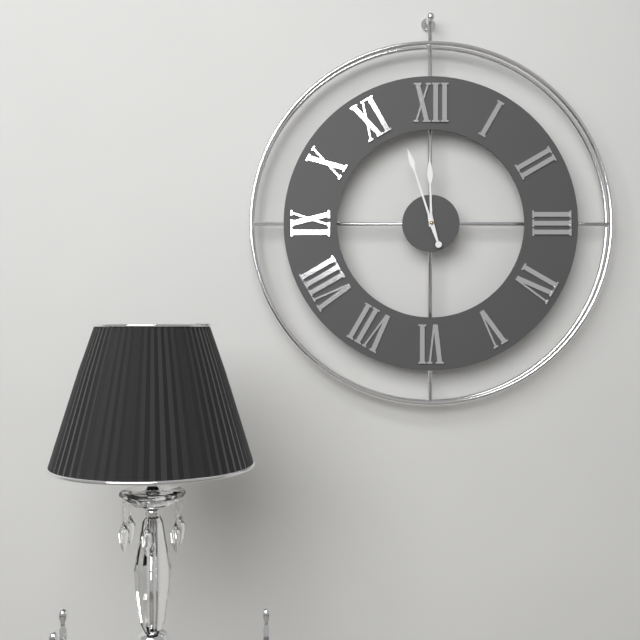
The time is 11h57
